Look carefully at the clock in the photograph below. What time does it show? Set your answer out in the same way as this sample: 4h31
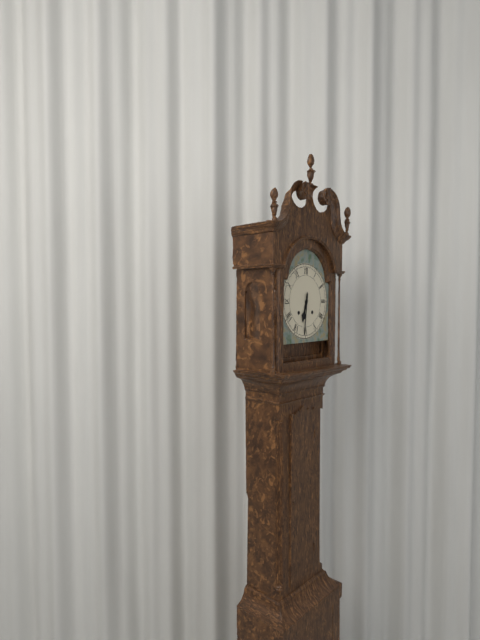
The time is 6h31
